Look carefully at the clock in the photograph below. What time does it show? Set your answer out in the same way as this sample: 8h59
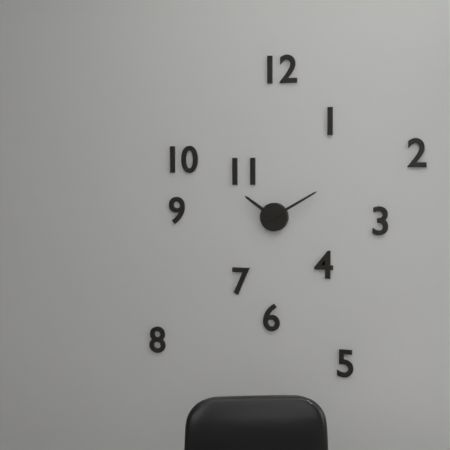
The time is 10h10
